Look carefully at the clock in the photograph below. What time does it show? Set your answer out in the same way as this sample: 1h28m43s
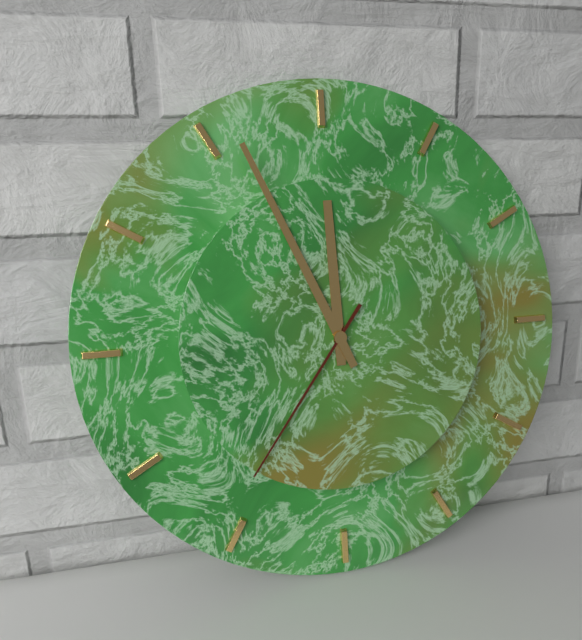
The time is 11h56m36s
